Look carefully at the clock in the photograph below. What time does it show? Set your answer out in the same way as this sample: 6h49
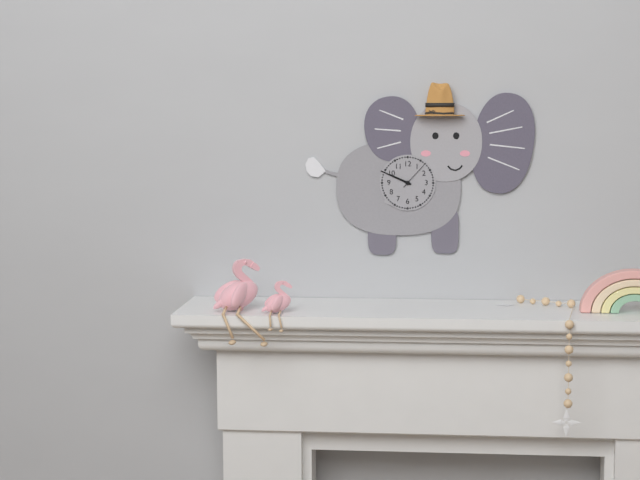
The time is 9h49
